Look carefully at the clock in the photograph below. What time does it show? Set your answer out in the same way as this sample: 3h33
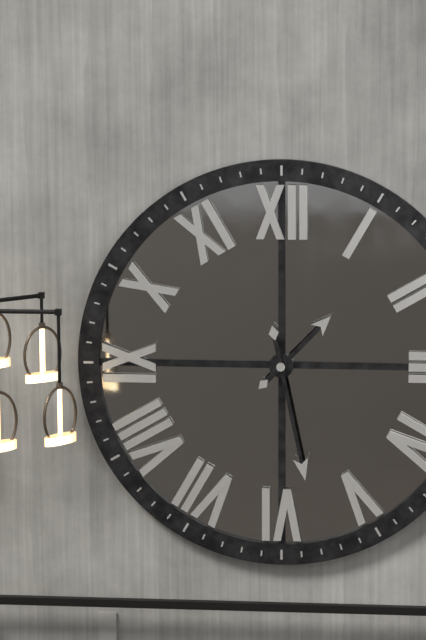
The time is 1h28
